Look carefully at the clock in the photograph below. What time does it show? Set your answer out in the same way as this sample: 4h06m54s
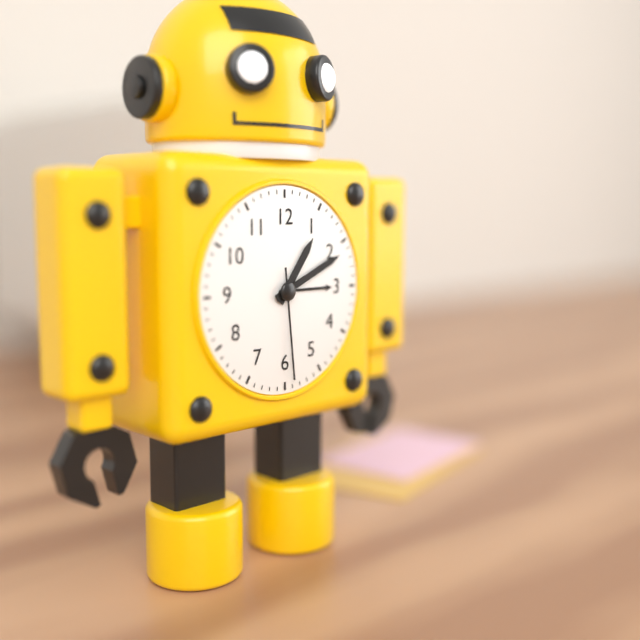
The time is 1h11m29s
